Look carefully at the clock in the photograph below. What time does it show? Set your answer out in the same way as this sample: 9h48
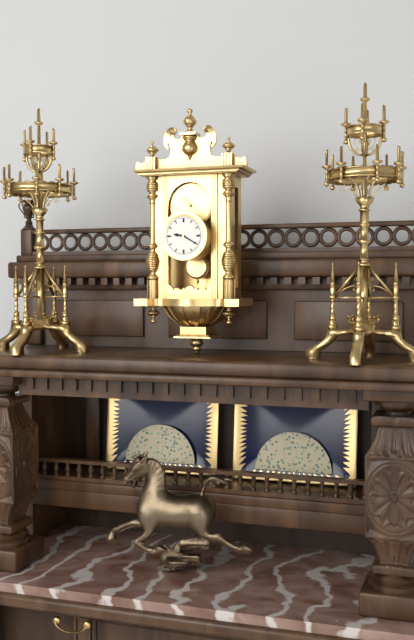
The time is 9h20
